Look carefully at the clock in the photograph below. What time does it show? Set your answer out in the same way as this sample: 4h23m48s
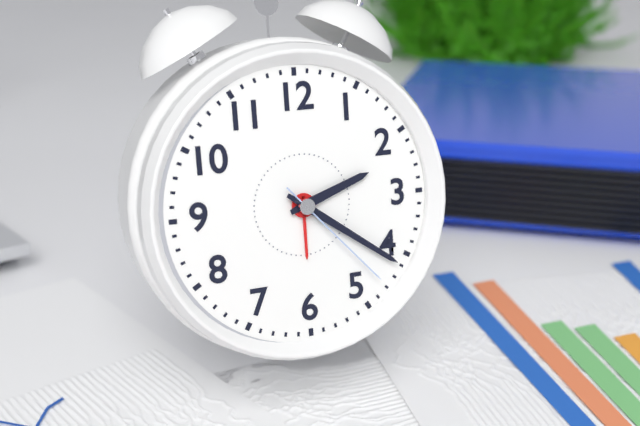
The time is 2h21m23s
